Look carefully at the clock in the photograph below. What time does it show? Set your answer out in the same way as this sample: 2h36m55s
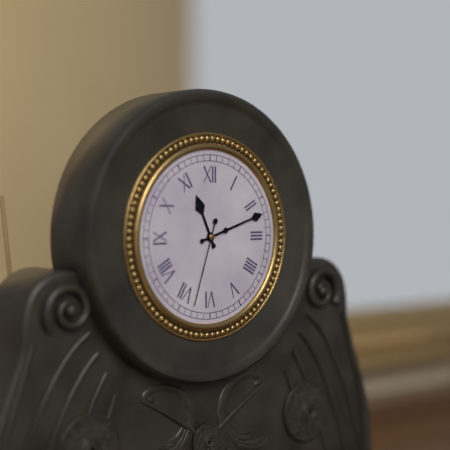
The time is 11h12m33s
